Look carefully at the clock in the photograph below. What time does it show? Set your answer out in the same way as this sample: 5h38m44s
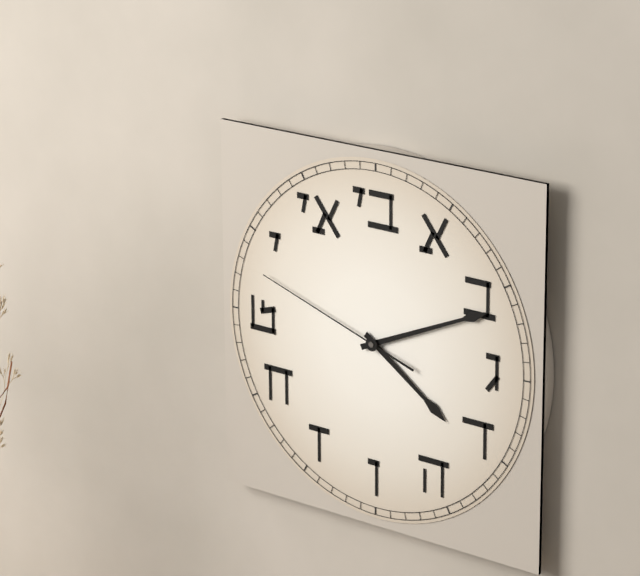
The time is 4h11m48s
